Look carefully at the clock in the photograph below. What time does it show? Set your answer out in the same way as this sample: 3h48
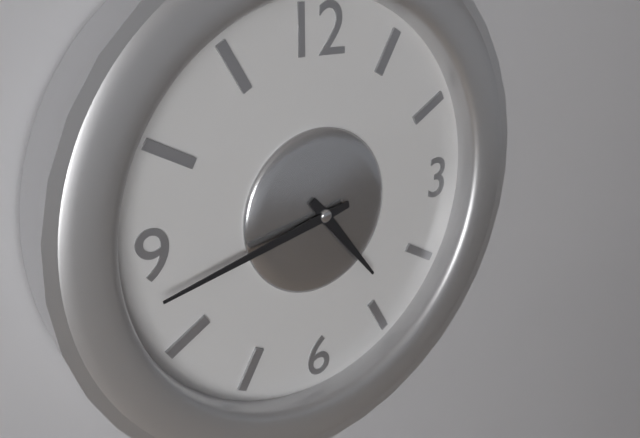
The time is 4h43
